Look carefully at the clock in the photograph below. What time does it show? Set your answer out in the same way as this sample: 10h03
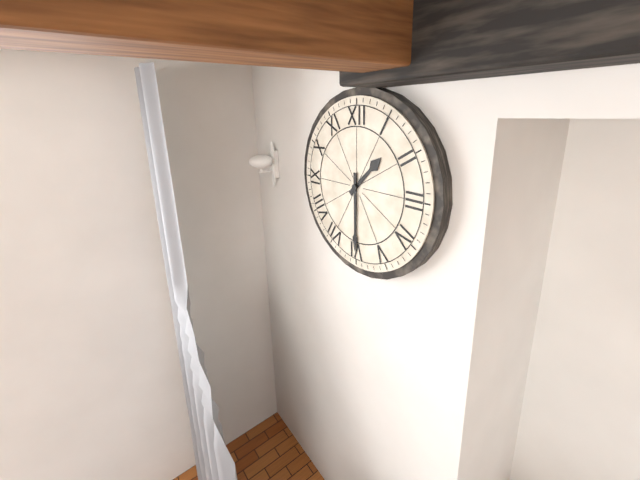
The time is 1h30
